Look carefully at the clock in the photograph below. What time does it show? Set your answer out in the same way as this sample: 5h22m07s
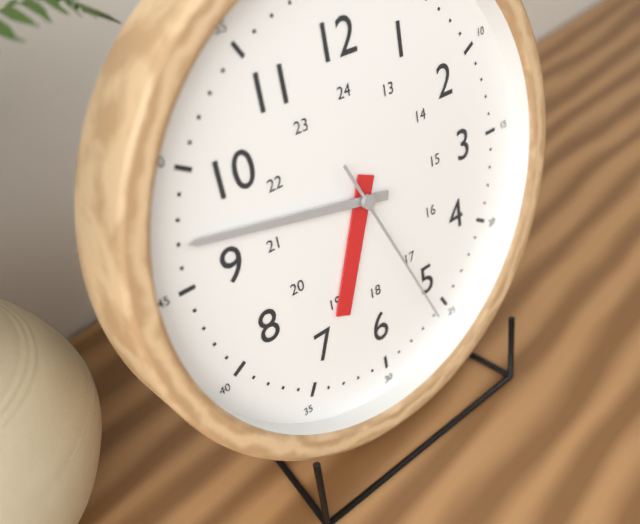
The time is 6h47m26s
